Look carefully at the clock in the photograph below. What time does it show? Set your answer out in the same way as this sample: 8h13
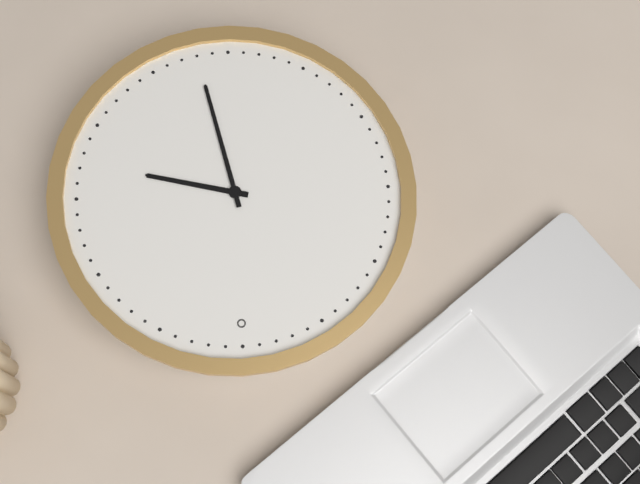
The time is 3h28
